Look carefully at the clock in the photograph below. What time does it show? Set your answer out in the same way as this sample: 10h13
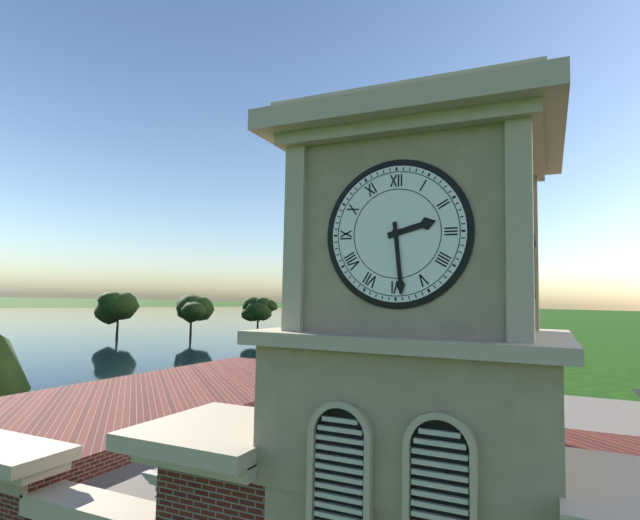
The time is 2h29
